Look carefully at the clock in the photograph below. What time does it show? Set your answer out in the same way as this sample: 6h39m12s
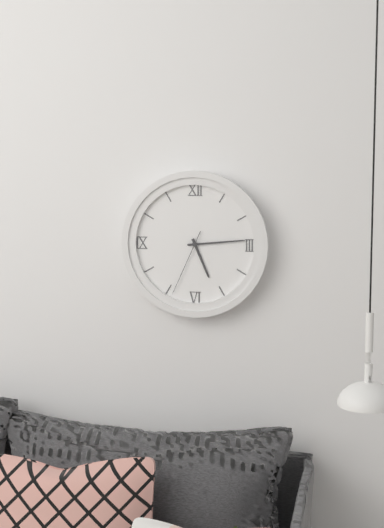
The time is 5h14m34s
